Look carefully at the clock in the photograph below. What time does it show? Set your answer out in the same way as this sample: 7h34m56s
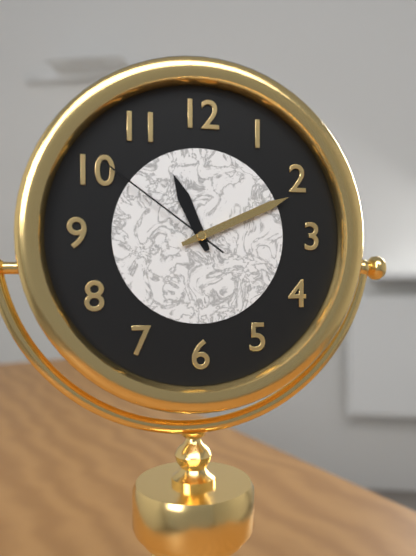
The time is 11h11m51s
